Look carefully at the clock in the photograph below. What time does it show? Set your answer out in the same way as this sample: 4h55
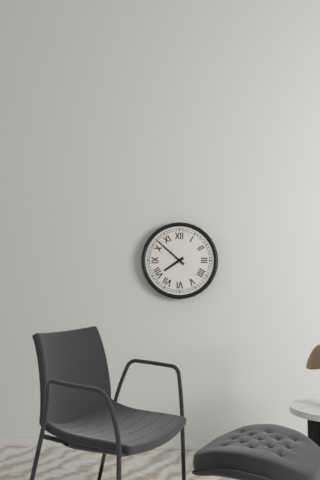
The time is 7h52
